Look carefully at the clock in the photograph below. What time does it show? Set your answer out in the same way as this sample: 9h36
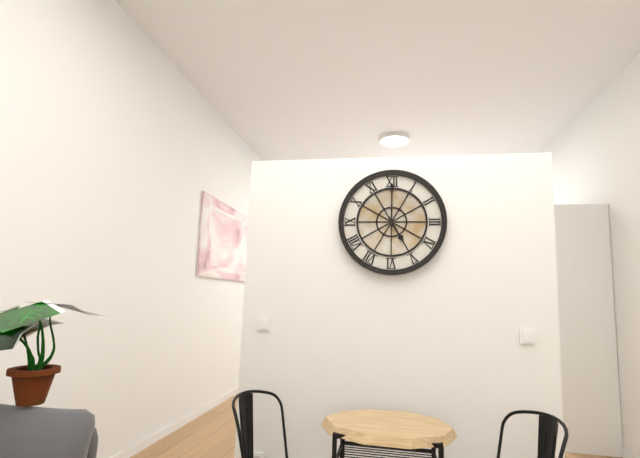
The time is 5h00
